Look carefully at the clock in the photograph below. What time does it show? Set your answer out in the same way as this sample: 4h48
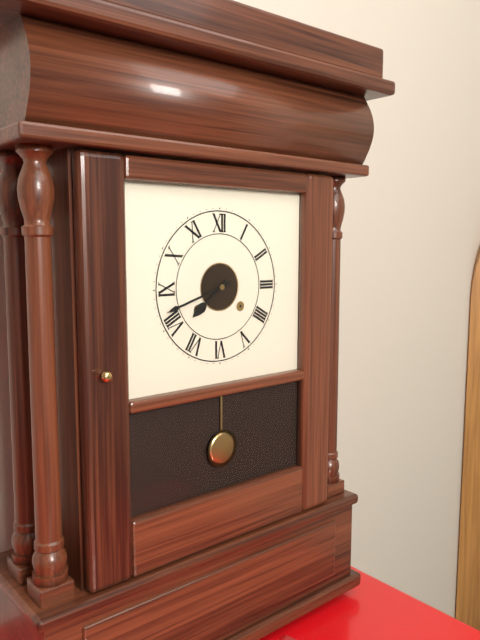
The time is 7h42
